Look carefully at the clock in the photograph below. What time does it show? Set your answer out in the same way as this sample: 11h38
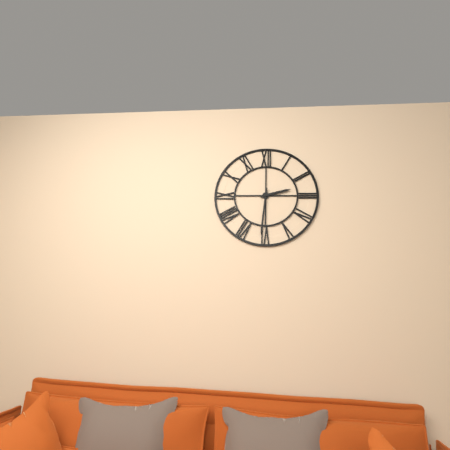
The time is 2h31
